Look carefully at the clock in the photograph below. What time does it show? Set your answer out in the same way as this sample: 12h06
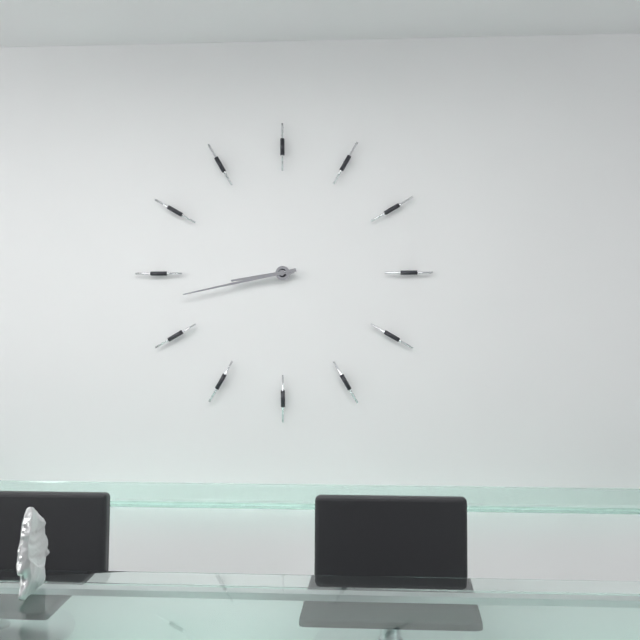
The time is 8h43
